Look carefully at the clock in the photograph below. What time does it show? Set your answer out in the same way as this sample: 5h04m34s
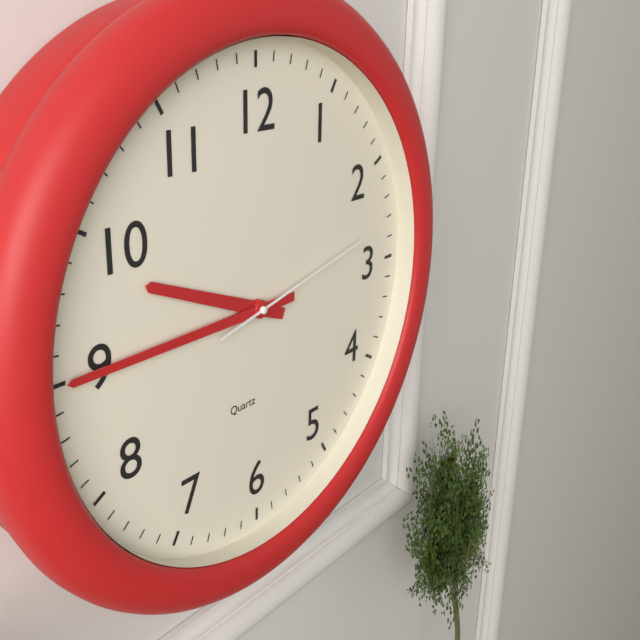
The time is 9h45m13s
